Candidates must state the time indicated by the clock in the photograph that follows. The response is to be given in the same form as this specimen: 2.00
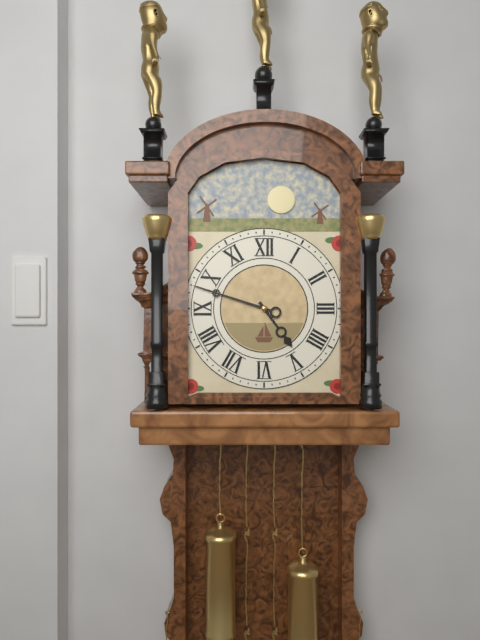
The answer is 4.48
